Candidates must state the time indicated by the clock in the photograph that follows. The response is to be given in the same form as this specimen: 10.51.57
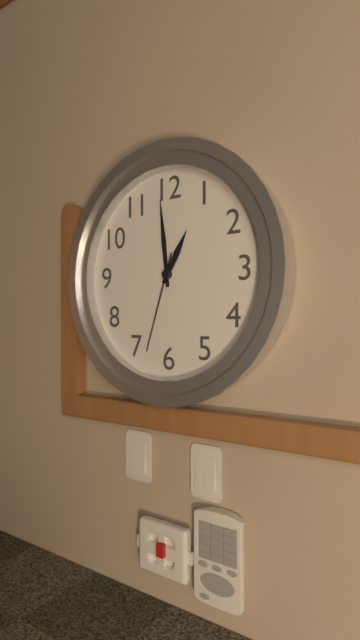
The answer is 12.59.33
